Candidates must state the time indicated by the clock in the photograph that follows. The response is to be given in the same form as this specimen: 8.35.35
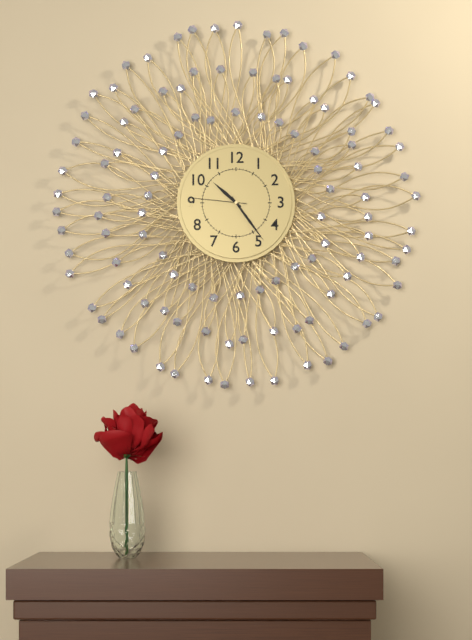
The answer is 10.24.46
